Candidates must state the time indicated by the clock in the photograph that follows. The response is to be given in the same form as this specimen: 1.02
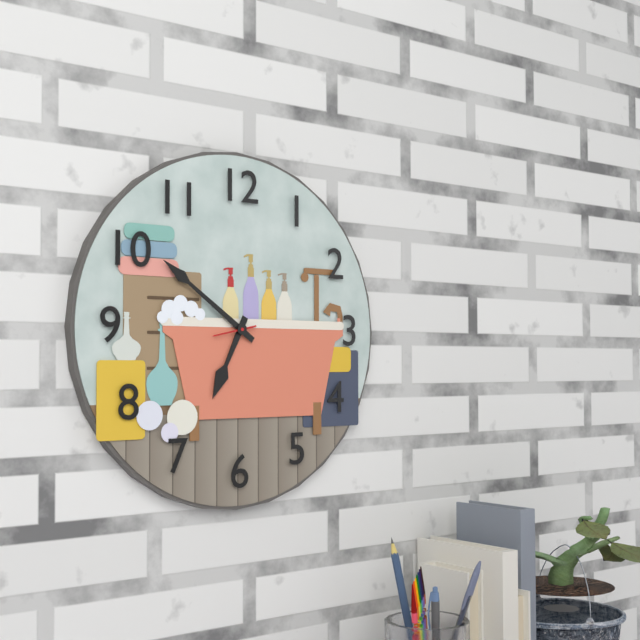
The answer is 6.51
